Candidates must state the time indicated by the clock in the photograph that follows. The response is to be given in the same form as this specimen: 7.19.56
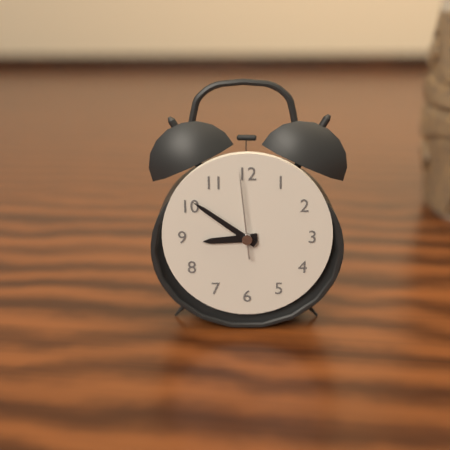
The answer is 8.51.59
